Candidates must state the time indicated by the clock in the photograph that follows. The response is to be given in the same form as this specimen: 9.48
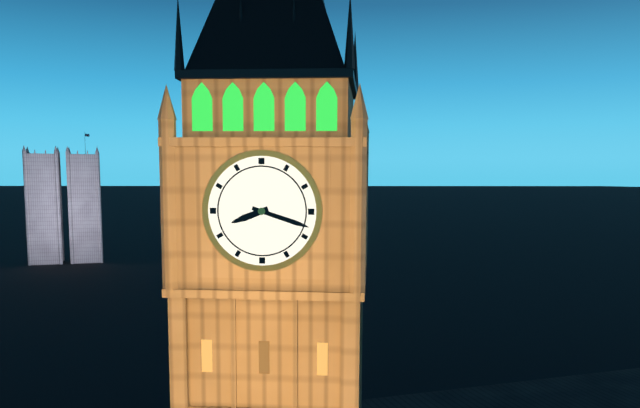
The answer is 8.18
